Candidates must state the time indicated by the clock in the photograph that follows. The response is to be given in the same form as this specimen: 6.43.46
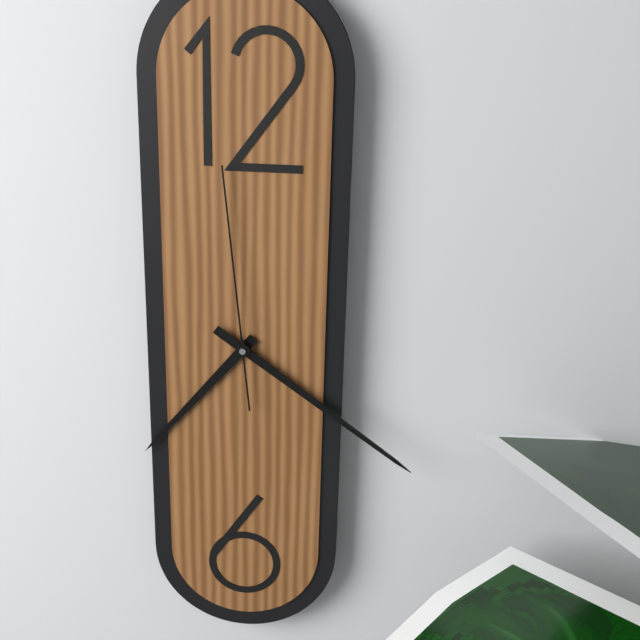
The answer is 7.21.59
